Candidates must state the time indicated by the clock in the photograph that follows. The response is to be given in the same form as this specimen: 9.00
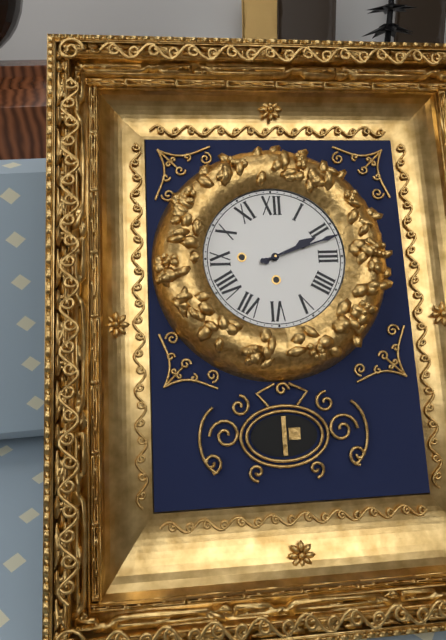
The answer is 2.12
